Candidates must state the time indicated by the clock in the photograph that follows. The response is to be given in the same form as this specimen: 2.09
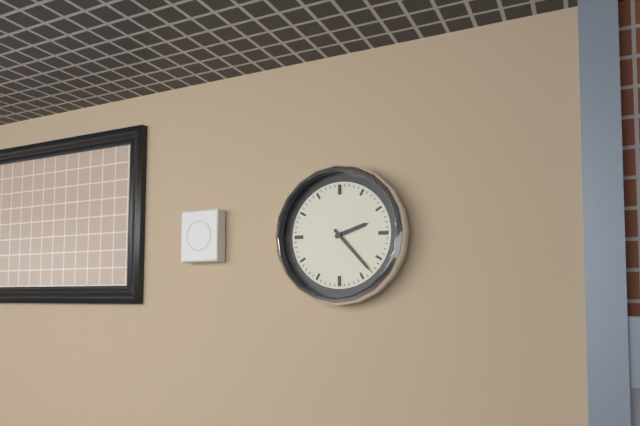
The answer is 2.23
